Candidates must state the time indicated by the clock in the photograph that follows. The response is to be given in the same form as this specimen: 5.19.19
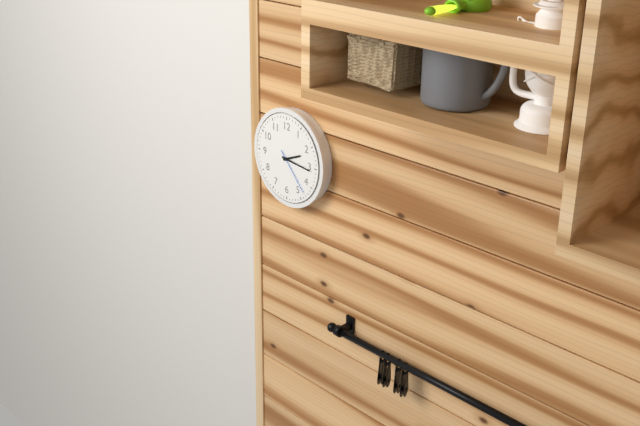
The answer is 2.16.23
